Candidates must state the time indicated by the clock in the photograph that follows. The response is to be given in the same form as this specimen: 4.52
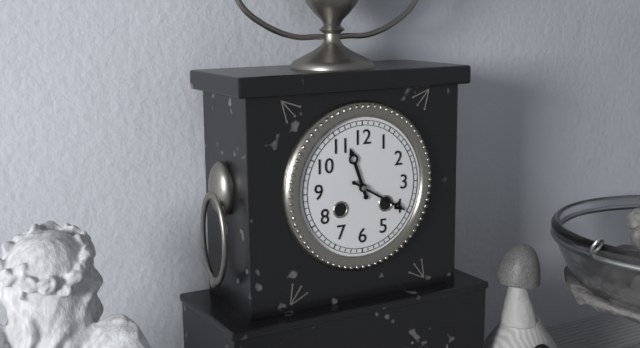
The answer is 11.20
